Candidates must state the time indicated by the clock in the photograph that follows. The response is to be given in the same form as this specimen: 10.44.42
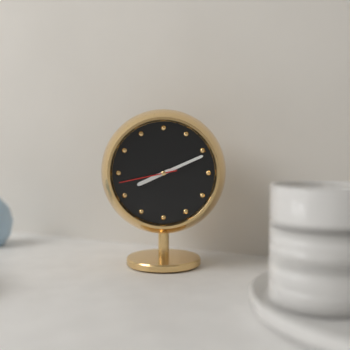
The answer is 8.11.43
